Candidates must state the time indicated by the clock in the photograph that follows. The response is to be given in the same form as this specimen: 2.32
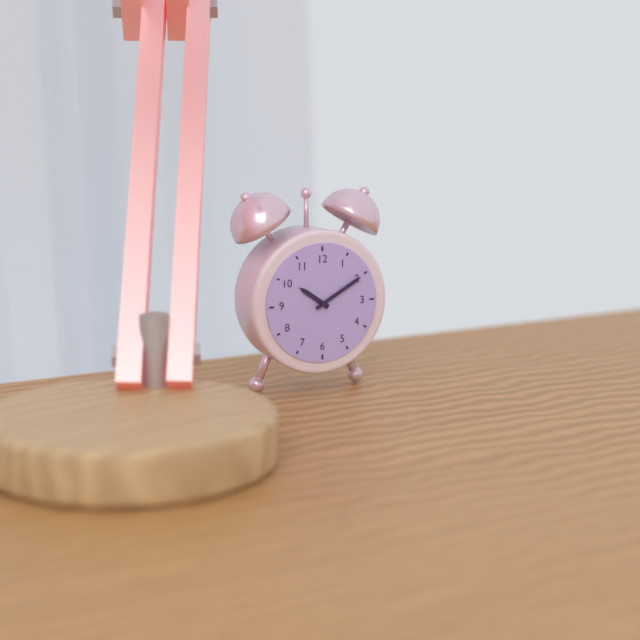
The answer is 10.10
